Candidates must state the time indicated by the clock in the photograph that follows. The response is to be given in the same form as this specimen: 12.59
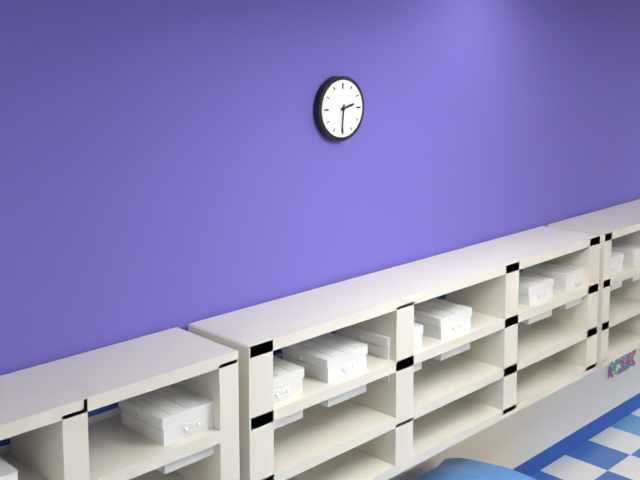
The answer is 2.31
